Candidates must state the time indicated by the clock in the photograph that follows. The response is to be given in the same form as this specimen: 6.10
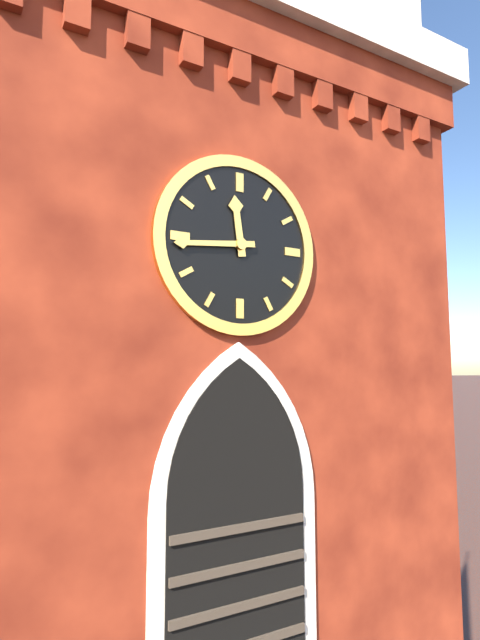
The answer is 11.44
